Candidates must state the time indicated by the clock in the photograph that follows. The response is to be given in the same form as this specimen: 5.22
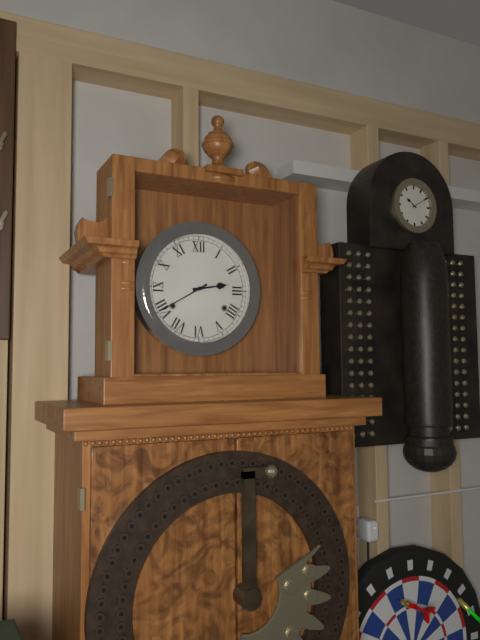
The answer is 2.40
